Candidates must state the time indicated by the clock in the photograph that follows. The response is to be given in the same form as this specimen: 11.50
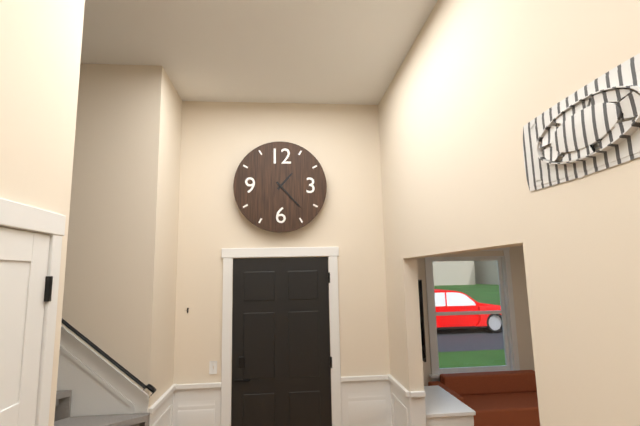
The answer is 1.23
